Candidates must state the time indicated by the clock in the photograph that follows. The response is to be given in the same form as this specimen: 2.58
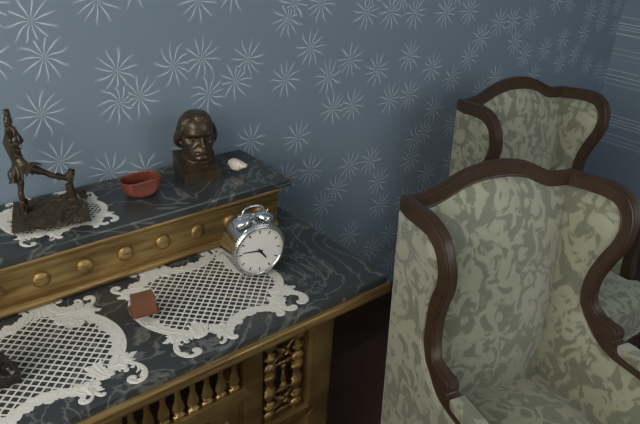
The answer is 4.46
